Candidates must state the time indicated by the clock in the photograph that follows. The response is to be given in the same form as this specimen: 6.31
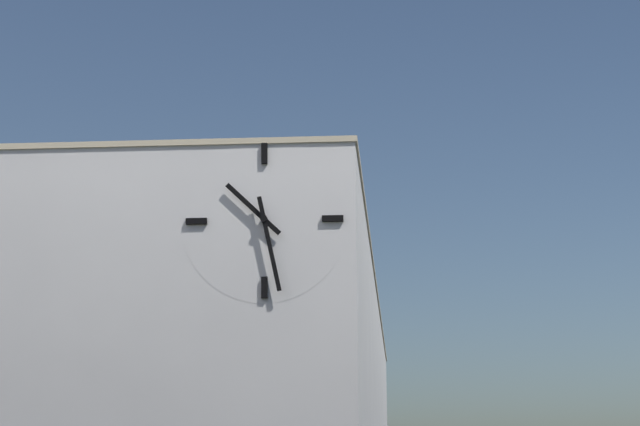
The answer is 10.28
